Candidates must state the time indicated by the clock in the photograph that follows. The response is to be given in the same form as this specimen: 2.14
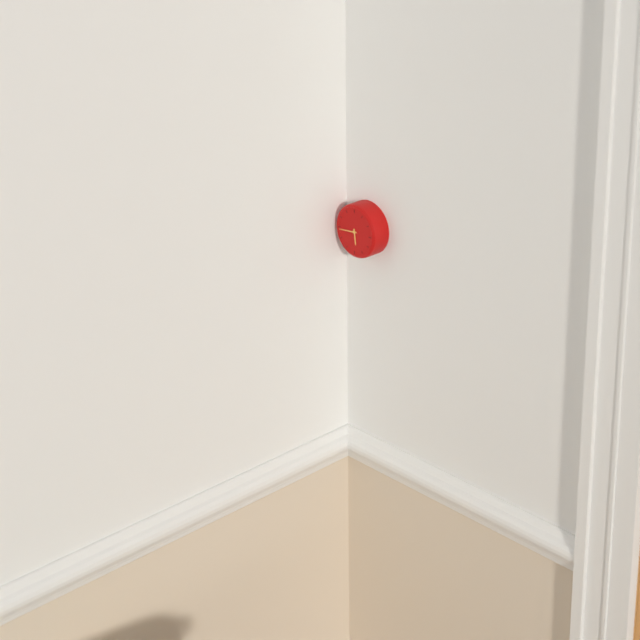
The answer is 5.44
